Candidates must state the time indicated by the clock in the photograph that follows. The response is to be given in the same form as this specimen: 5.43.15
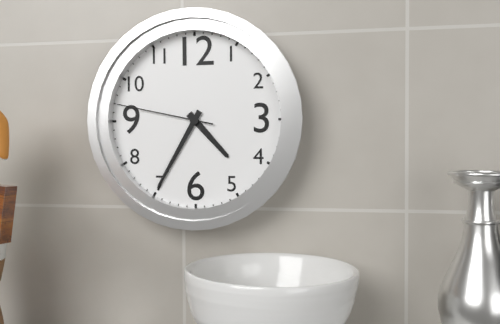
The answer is 4.35.47
